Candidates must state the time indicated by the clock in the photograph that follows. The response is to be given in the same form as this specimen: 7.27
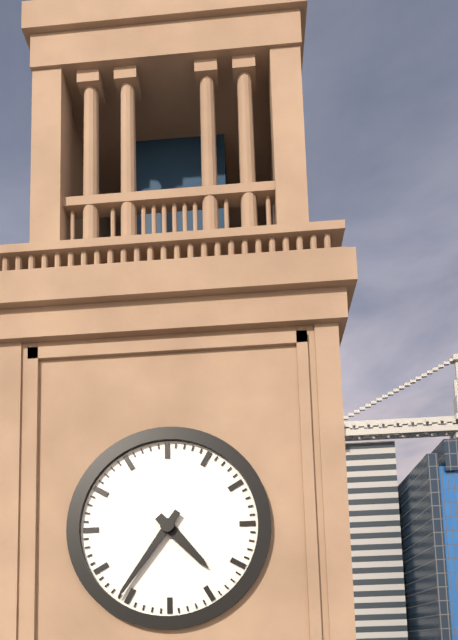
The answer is 4.36
